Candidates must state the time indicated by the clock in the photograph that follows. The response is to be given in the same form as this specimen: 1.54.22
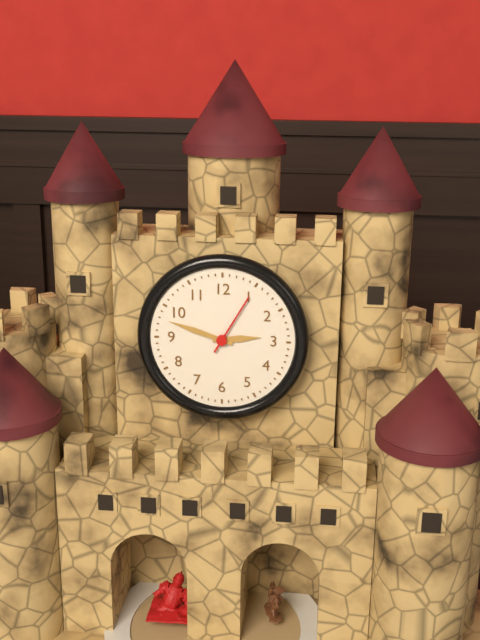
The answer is 2.48.05
